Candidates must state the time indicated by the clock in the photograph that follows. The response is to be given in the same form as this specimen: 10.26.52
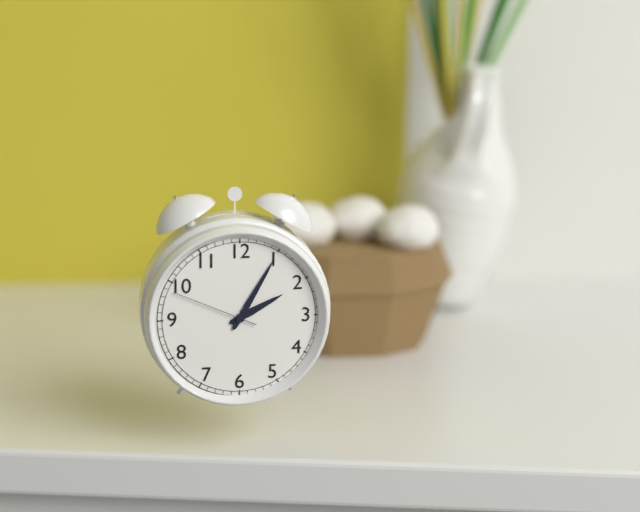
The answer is 2.05.49
